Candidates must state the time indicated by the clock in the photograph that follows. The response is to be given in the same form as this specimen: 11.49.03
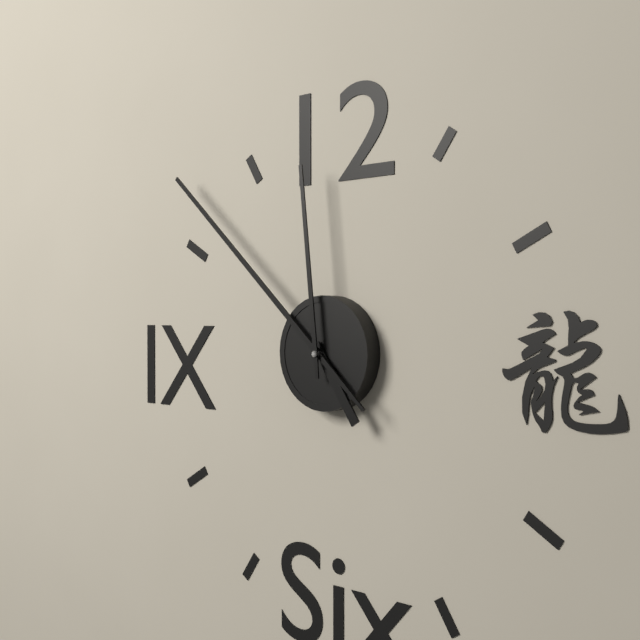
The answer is 4.52.59
